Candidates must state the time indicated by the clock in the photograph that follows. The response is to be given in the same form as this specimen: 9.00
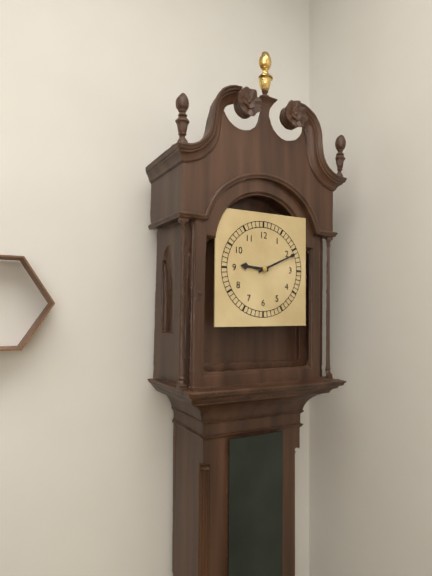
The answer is 9.11
